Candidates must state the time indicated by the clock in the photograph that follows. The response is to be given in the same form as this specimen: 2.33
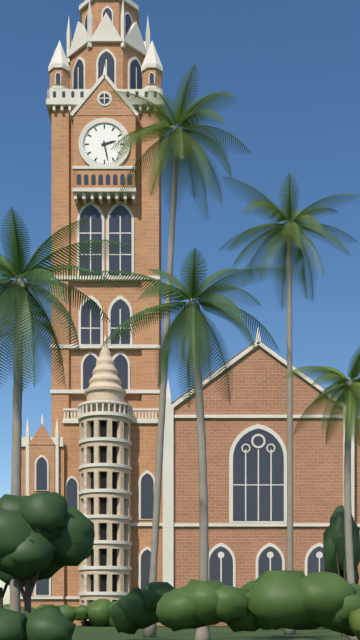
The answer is 2.28
